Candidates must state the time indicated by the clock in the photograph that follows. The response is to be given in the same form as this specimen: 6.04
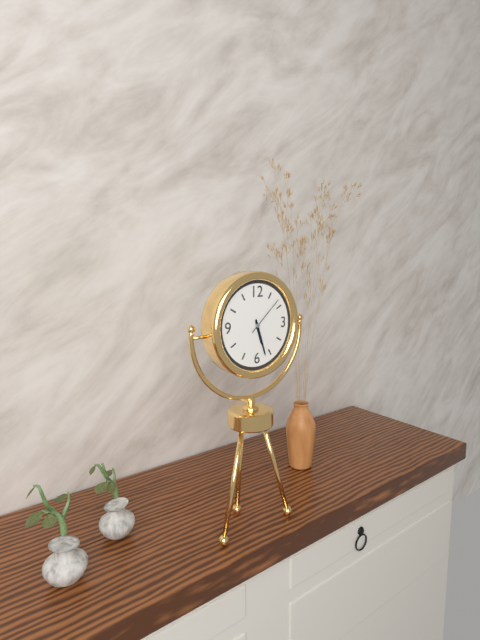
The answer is 5.27
